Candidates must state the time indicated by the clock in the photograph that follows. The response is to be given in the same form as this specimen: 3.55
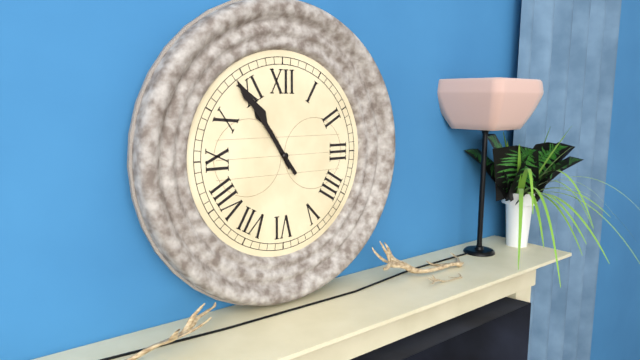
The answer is 10.54
